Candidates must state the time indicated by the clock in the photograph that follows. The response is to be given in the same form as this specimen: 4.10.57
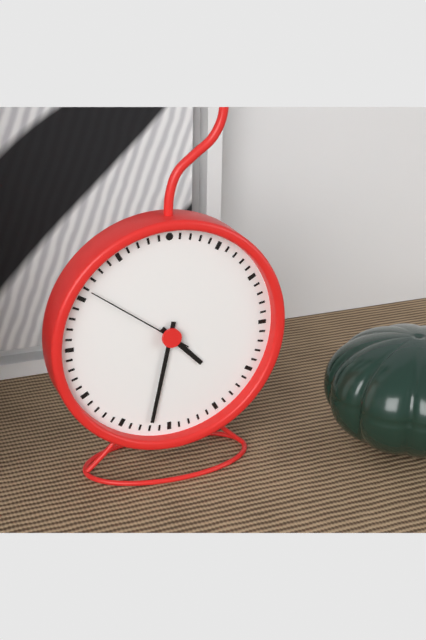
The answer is 4.32.51
